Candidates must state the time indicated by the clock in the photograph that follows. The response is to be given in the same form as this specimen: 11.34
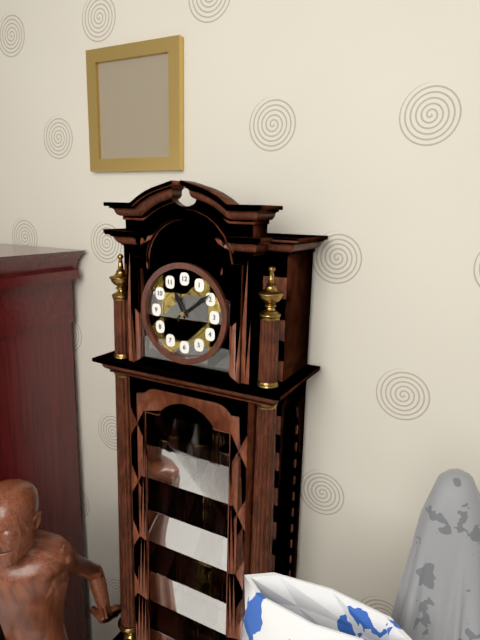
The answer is 11.09
